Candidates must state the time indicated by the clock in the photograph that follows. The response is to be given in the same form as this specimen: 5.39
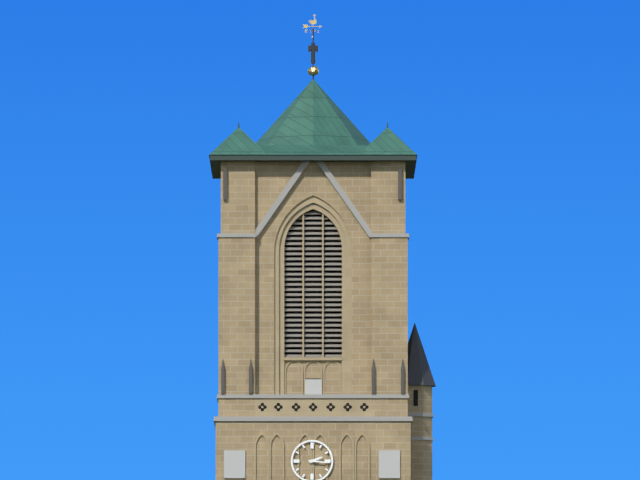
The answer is 2.16
